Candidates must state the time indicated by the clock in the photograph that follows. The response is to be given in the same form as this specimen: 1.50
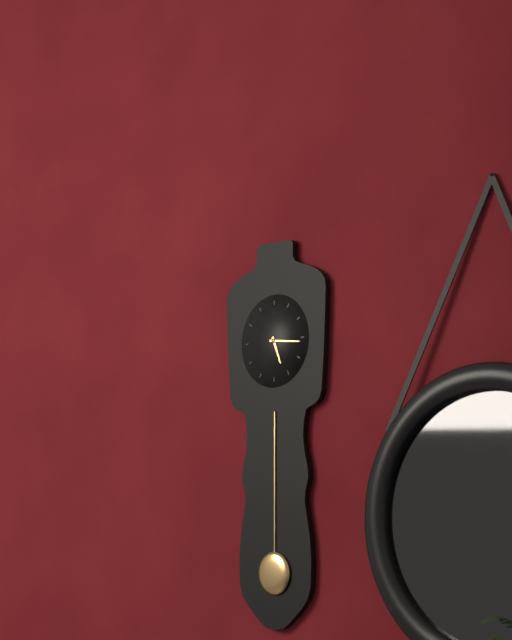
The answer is 5.16
